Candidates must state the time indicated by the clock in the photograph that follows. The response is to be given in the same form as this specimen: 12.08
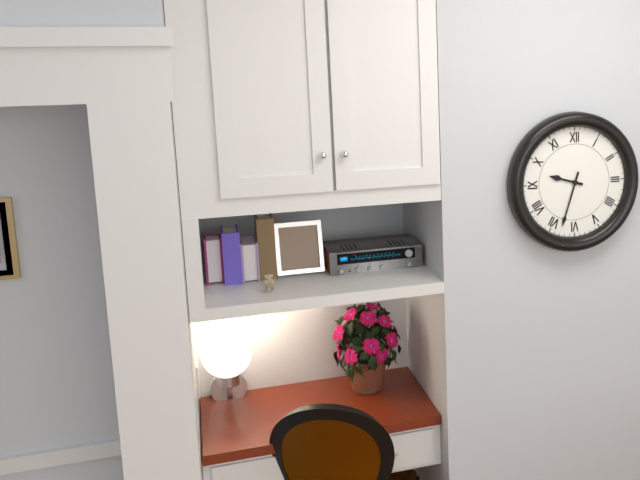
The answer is 9.33
